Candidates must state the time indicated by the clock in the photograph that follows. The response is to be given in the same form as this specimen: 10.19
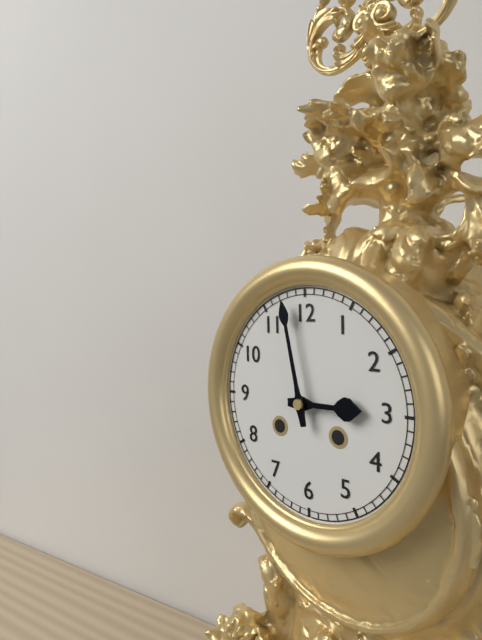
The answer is 2.58
